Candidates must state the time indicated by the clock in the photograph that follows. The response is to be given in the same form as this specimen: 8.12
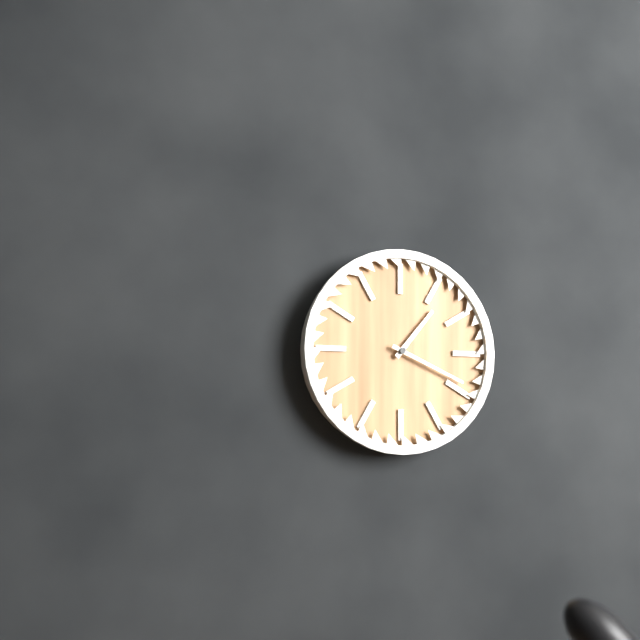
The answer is 1.19
